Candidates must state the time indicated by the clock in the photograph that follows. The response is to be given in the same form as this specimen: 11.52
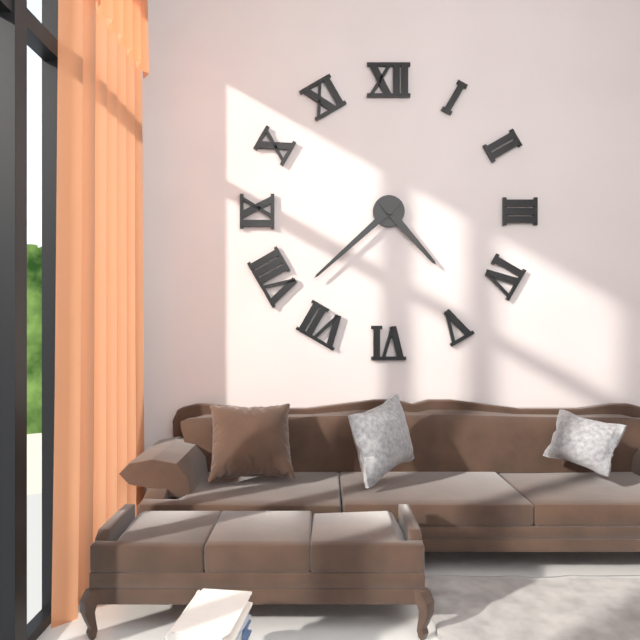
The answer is 4.38
